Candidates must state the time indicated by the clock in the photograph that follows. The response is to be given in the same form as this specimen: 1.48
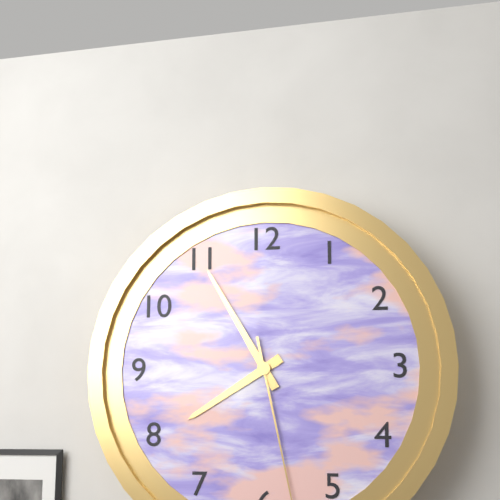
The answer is 7.55
